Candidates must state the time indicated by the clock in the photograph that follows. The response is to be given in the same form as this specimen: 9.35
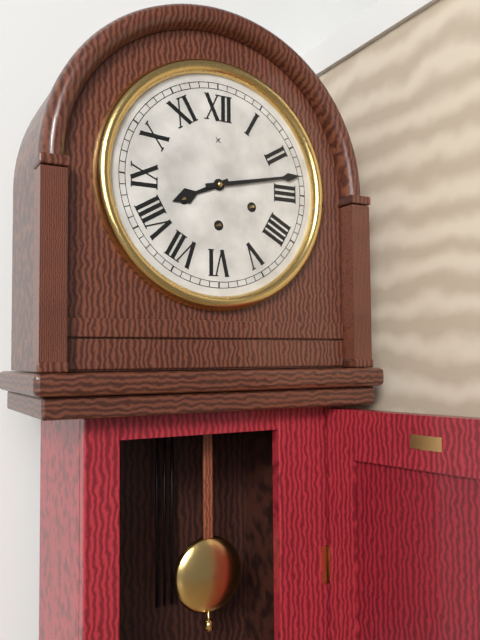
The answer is 8.13
